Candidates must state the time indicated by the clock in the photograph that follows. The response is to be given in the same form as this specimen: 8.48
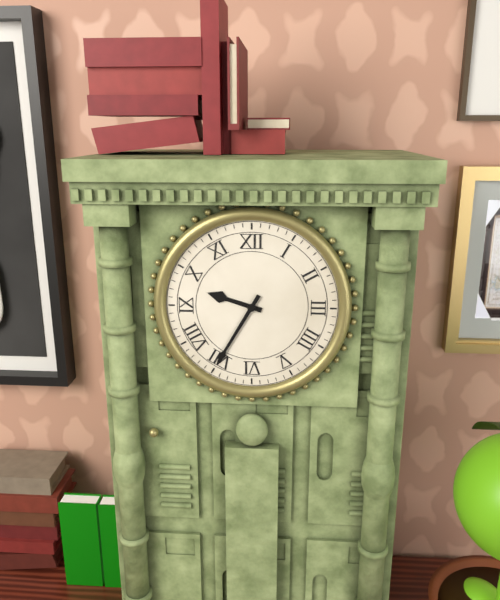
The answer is 9.35
